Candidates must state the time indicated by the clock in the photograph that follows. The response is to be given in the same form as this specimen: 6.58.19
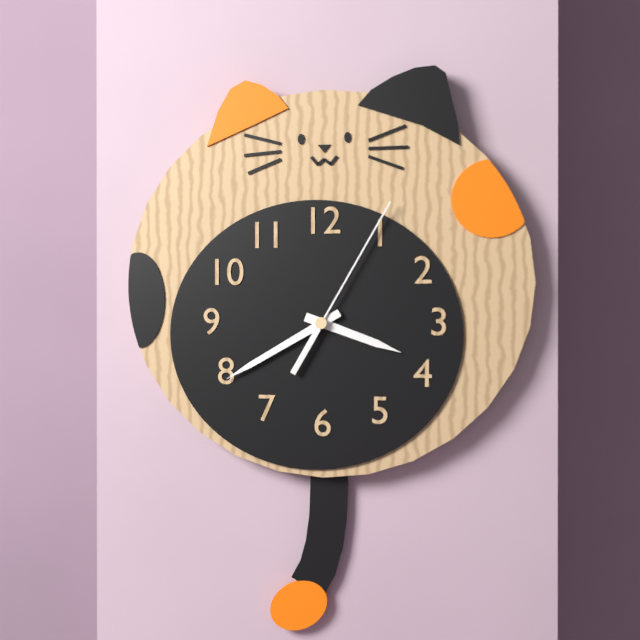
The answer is 3.40.05
